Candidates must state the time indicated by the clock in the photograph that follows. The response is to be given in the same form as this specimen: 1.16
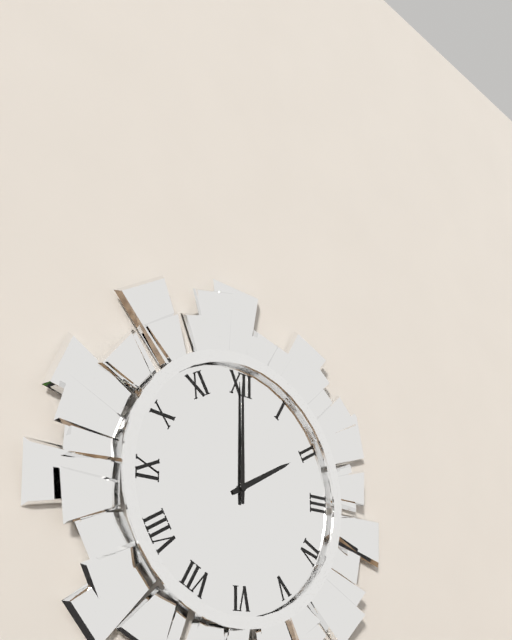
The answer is 2.00
